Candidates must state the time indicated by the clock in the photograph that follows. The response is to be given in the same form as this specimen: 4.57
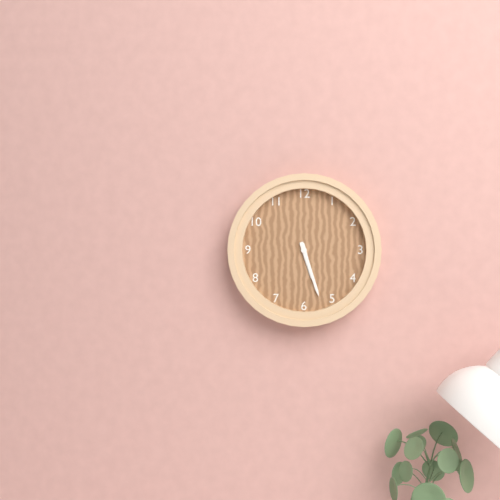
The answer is 5.27
